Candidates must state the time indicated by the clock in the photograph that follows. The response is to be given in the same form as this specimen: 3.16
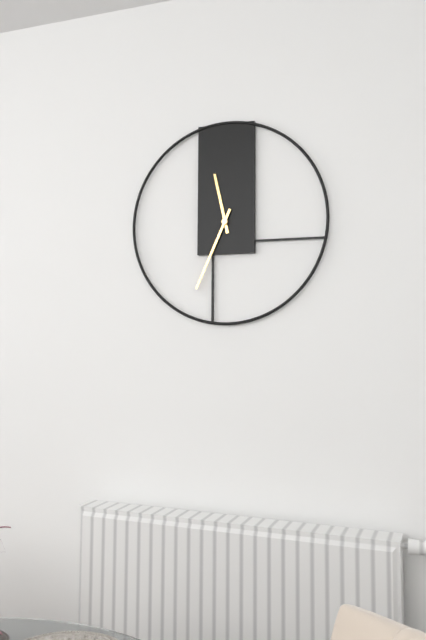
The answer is 11.34
